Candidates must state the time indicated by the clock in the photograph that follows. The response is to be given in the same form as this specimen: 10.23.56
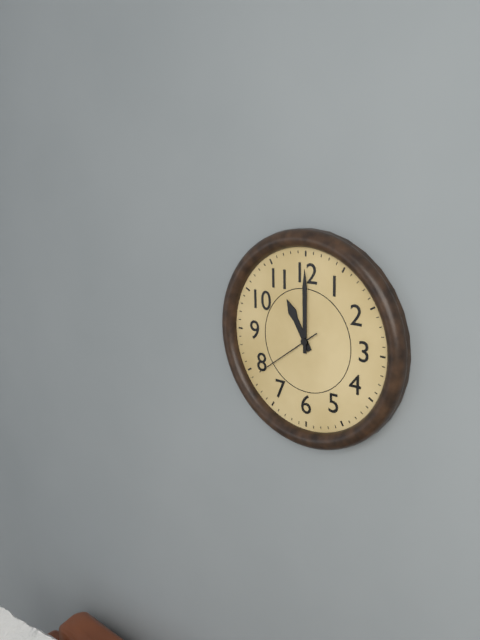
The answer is 11.00.39
